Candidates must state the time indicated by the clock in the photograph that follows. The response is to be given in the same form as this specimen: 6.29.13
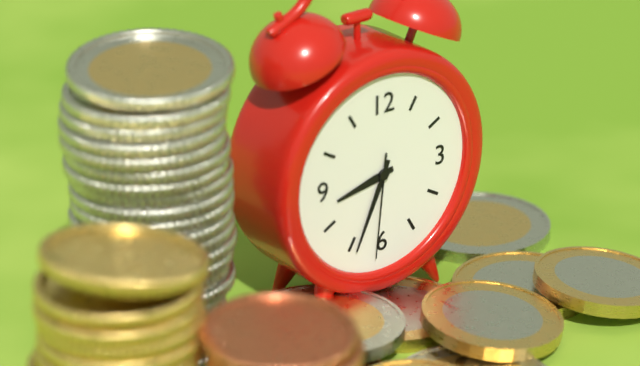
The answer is 8.34.31
